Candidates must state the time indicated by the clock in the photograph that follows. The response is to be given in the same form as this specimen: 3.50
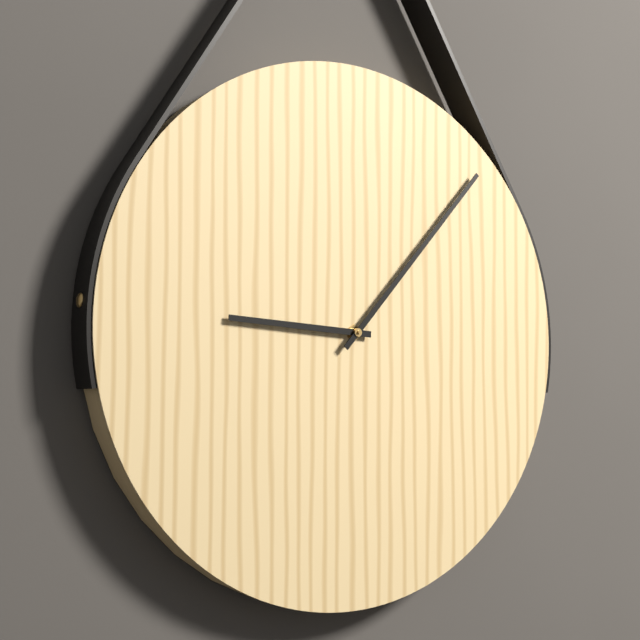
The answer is 9.07
